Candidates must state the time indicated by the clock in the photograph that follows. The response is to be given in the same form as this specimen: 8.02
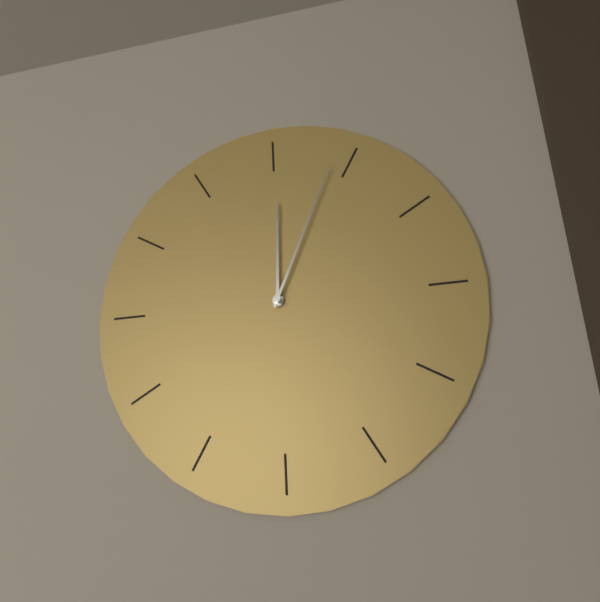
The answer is 12.04
